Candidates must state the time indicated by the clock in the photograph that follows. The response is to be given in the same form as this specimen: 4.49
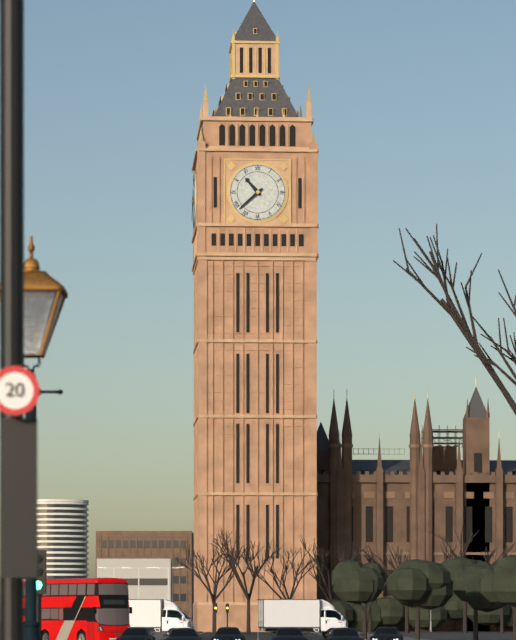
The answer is 10.38
